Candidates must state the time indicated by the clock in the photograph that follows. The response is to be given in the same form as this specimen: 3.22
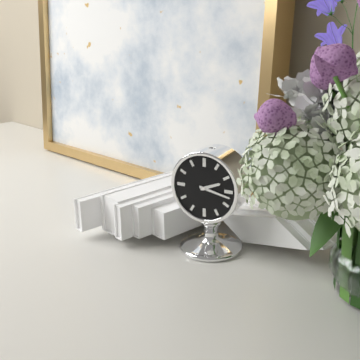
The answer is 2.17
